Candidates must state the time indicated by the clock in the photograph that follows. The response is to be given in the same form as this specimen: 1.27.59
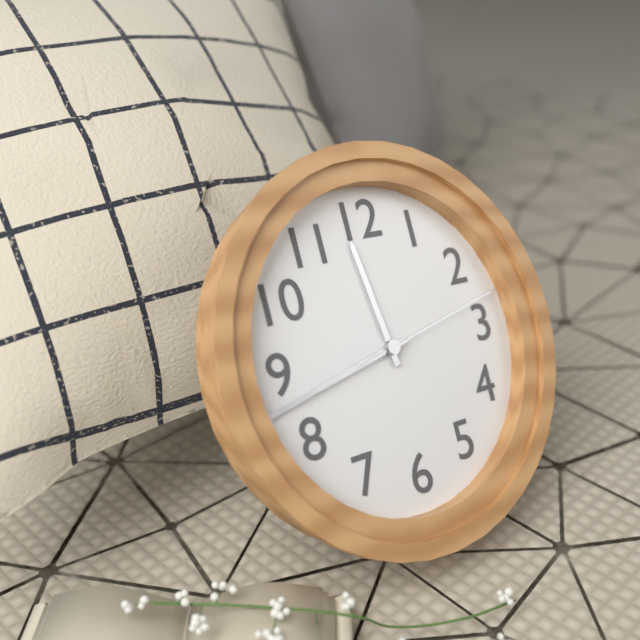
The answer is 11.43.13
